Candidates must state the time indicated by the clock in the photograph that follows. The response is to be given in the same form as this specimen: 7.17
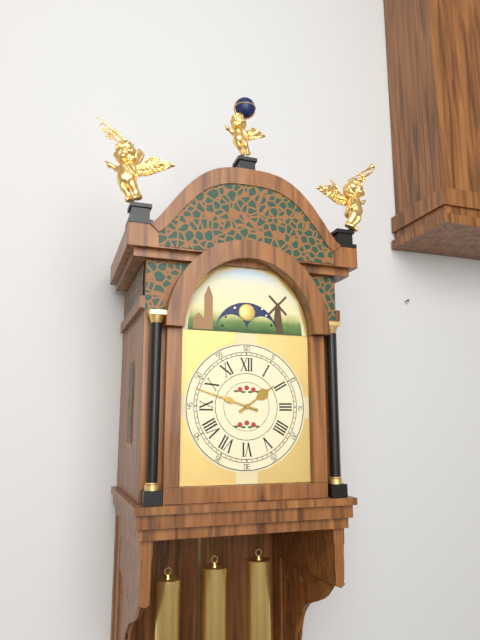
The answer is 1.48
